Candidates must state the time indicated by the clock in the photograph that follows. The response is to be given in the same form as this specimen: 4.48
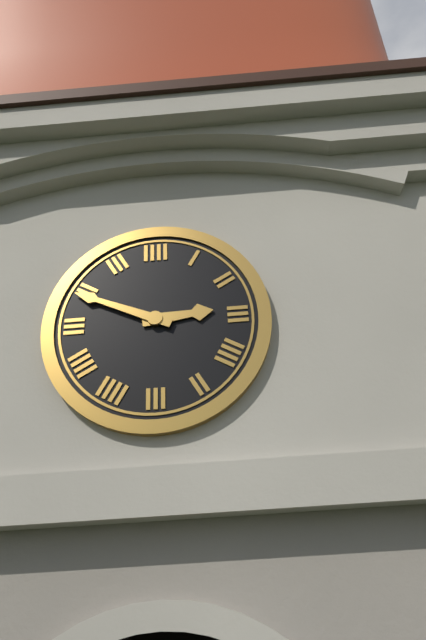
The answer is 2.49
